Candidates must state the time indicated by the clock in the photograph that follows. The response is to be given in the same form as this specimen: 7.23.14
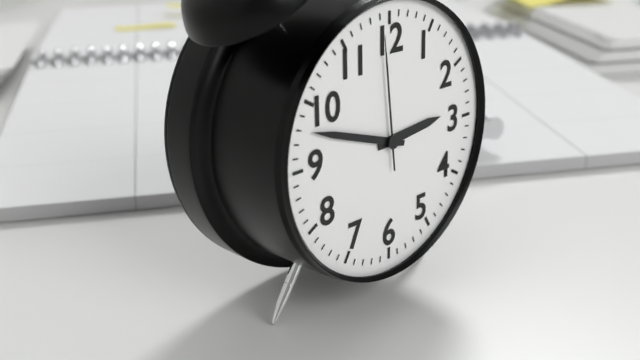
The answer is 2.48.59
